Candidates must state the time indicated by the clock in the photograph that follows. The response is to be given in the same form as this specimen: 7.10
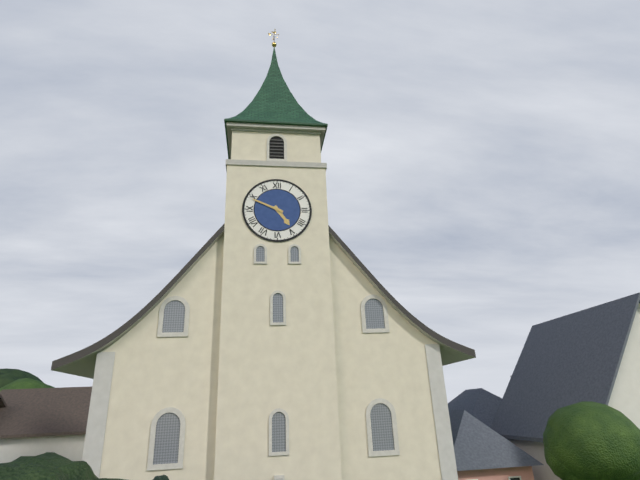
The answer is 4.49
